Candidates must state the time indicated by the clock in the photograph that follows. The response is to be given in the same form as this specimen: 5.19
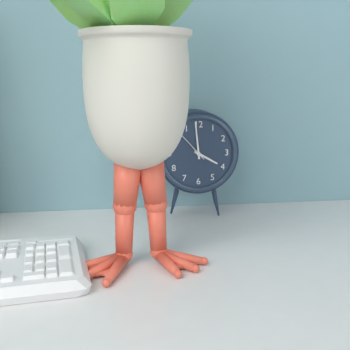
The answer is 3.59
